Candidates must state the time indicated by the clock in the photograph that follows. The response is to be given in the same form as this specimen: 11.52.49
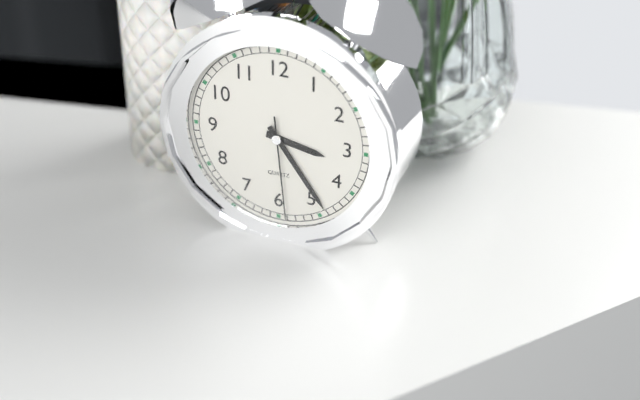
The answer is 3.24.29
